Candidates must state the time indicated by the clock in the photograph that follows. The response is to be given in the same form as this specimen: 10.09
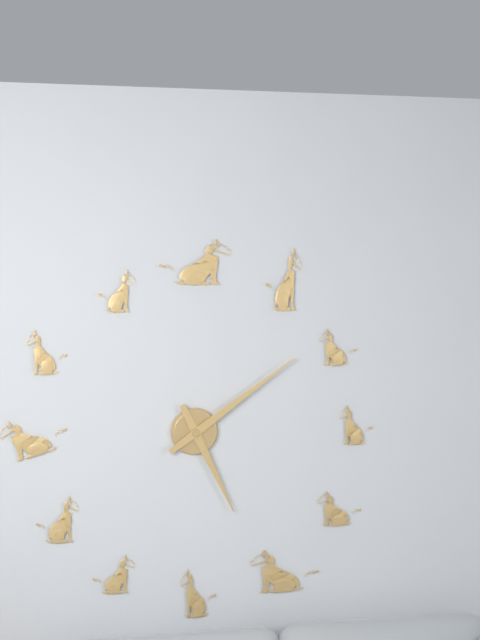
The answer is 5.09
